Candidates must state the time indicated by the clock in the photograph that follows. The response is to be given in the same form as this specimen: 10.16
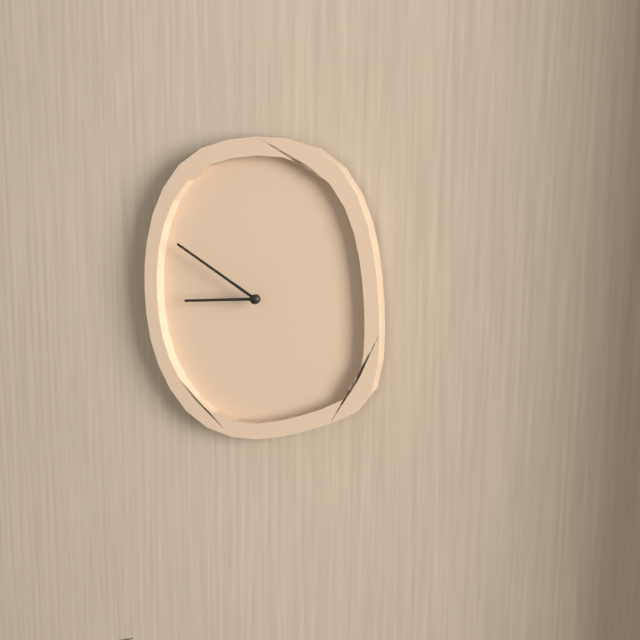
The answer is 8.50
